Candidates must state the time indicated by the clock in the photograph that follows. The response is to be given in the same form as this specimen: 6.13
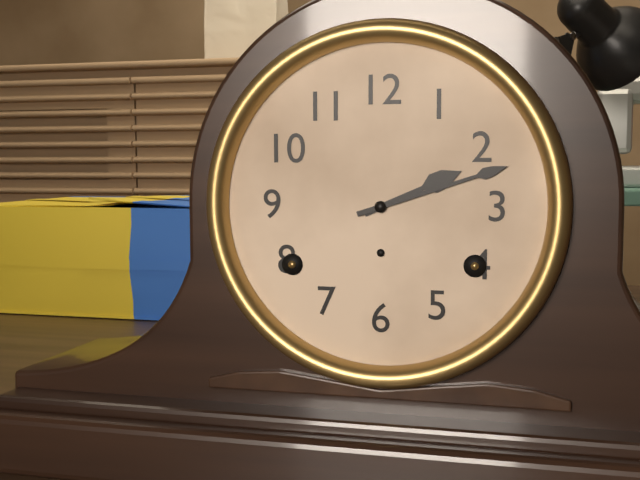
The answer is 2.12
